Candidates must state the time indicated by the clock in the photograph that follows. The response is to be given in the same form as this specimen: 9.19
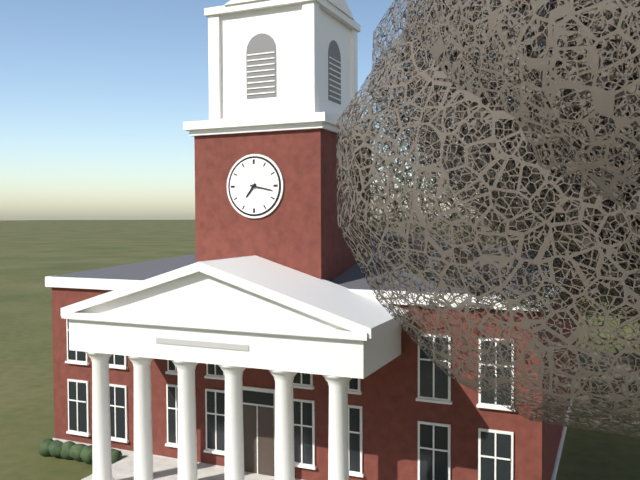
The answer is 7.17
